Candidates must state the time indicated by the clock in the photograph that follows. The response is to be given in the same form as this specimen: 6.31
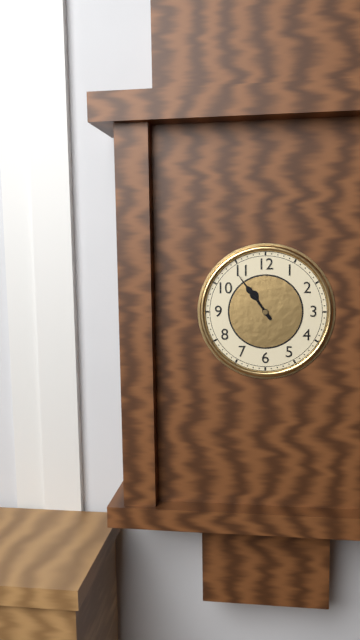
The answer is 10.54
